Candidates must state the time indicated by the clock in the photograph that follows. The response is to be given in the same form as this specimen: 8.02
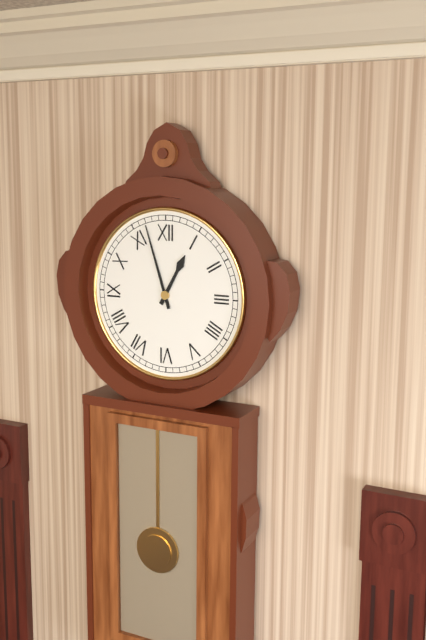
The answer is 12.57
